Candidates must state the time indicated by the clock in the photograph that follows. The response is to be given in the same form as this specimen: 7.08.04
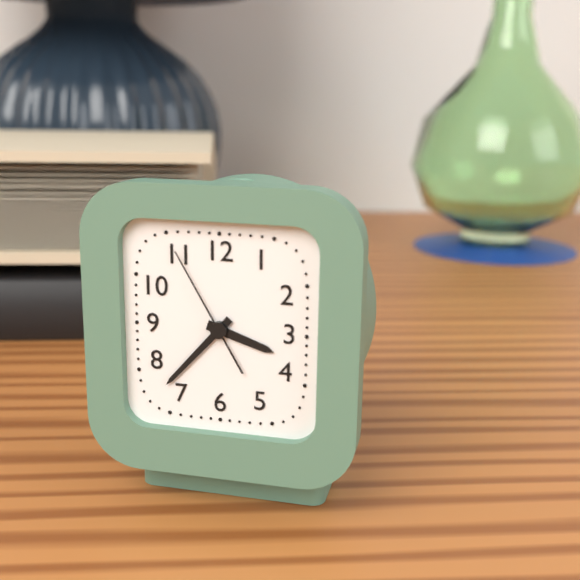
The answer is 3.37.55
